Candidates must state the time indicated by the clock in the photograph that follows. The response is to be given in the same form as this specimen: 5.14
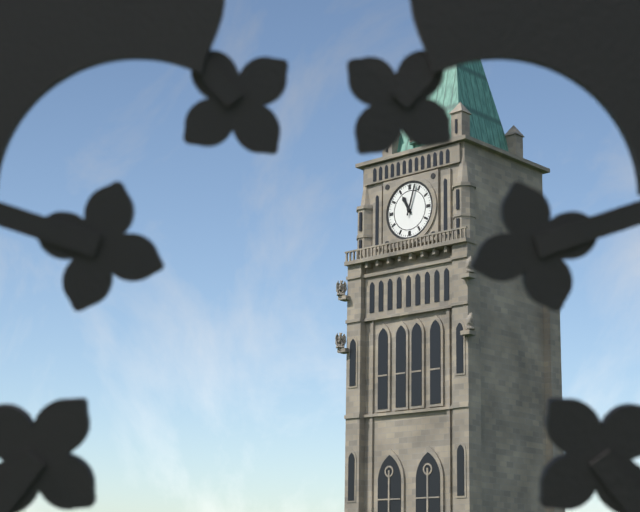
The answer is 11.03
